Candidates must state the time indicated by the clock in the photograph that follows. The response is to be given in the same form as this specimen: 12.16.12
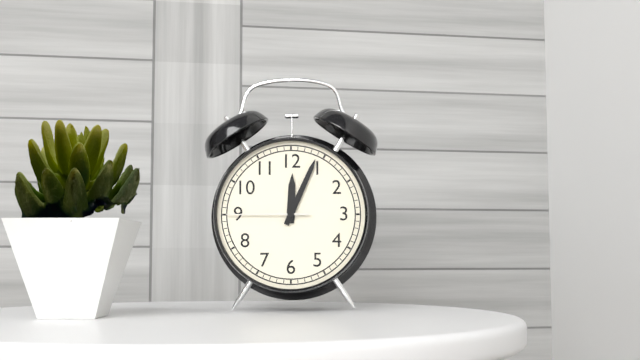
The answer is 12.04.45
